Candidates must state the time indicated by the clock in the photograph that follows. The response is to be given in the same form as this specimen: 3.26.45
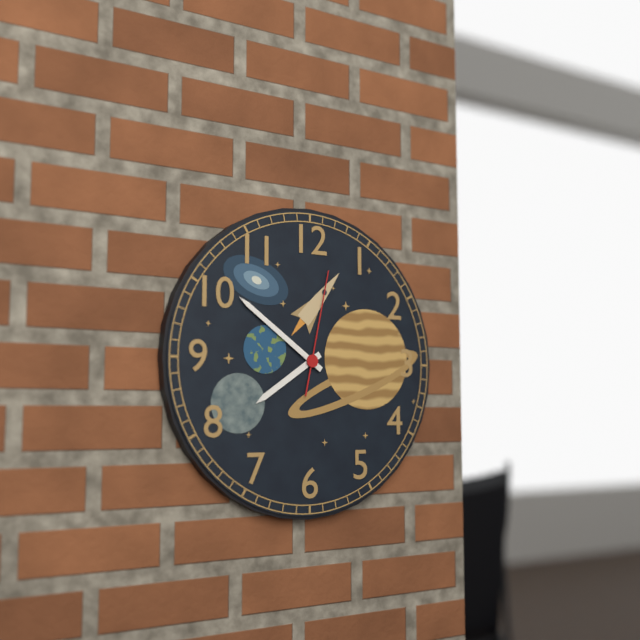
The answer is 7.51.02
